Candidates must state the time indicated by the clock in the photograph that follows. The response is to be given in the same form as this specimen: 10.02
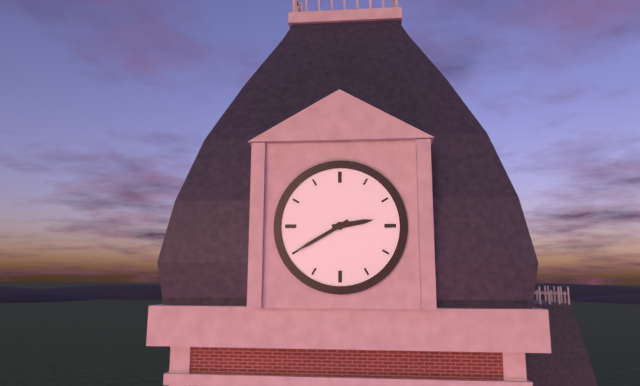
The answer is 2.40
